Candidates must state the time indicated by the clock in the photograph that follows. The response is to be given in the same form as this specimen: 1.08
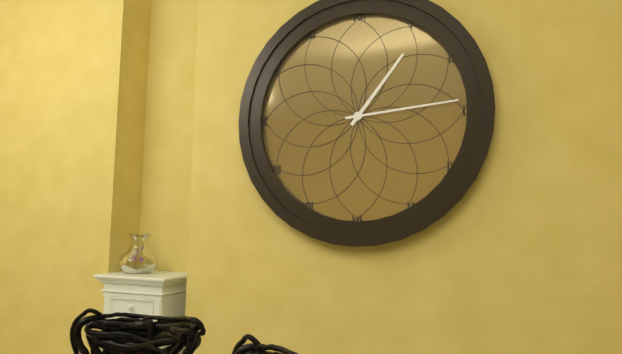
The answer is 1.14
